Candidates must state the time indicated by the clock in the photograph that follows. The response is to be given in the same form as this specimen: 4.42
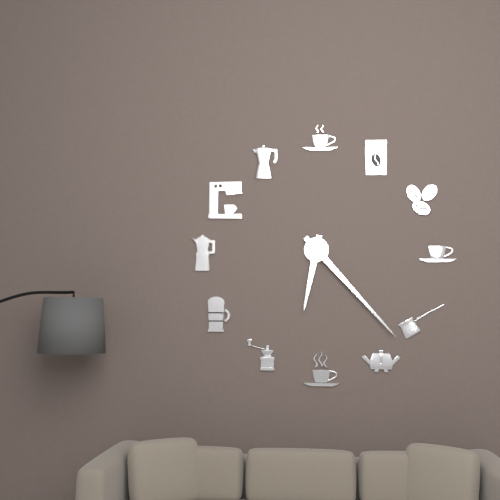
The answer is 6.23
